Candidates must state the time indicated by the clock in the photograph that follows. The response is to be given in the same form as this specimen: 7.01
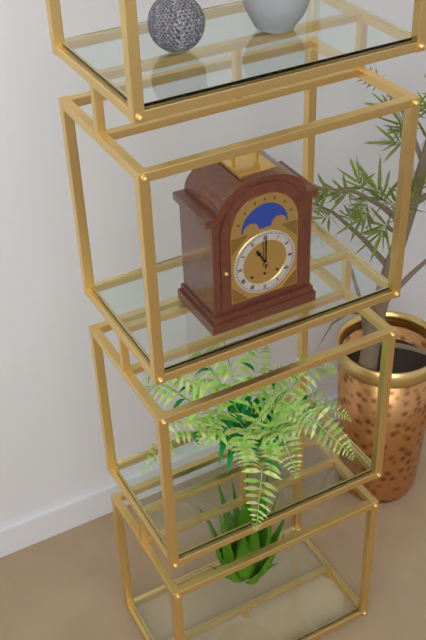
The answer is 11.00
